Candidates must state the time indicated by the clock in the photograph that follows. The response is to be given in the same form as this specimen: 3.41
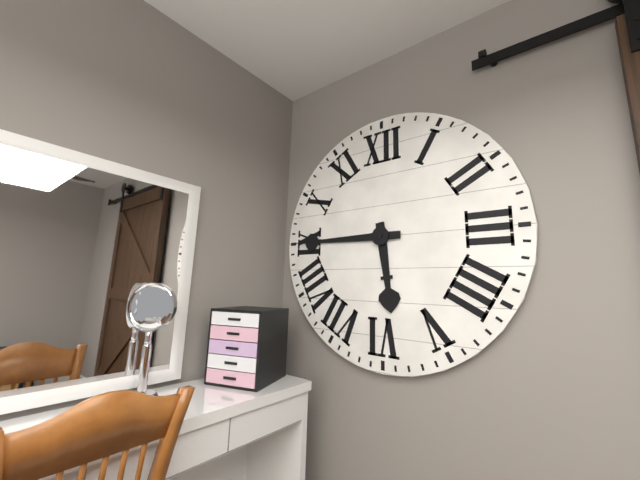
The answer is 5.45
